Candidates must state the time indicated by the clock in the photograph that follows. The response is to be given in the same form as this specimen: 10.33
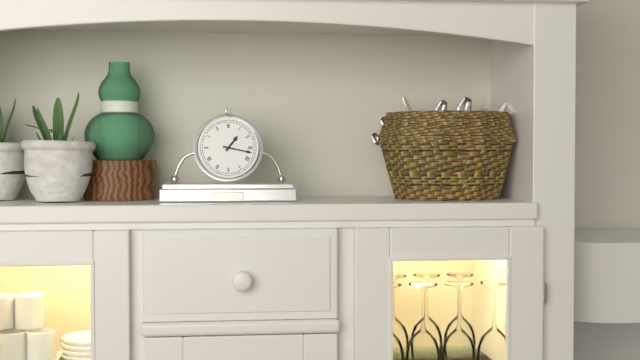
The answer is 1.17
